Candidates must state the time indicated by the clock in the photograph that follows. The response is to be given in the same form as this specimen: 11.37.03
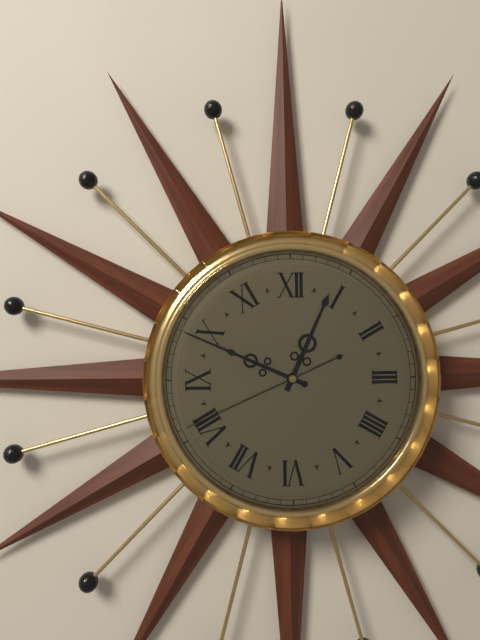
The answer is 12.49.41
